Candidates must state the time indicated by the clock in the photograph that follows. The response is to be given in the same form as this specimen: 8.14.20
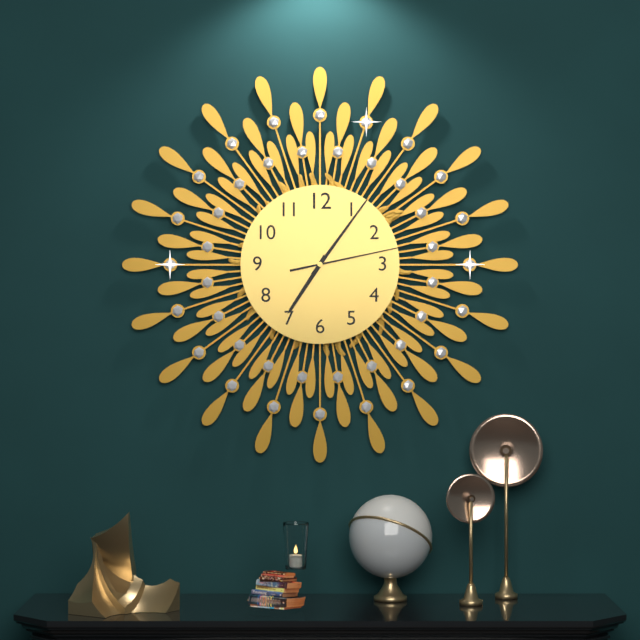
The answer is 7.06.13
